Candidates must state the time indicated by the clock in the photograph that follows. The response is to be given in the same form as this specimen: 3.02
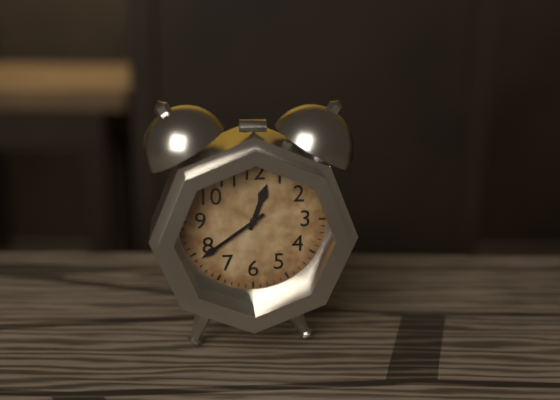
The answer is 12.39
